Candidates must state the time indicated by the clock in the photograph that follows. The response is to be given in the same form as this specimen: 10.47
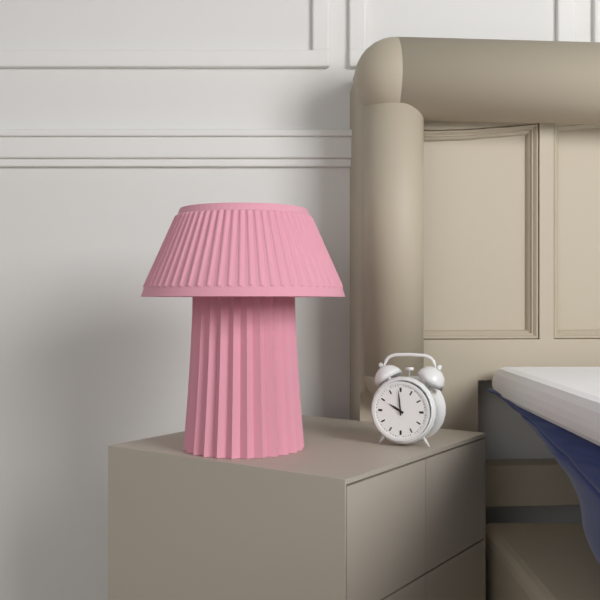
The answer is 9.59
